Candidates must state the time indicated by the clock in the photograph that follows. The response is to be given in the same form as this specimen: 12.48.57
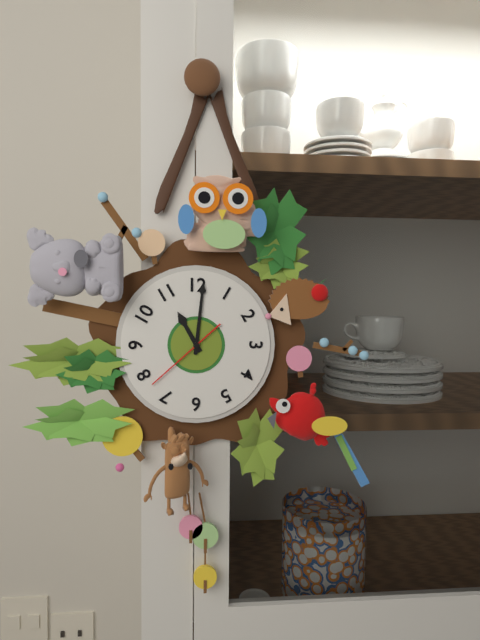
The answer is 11.01.38
